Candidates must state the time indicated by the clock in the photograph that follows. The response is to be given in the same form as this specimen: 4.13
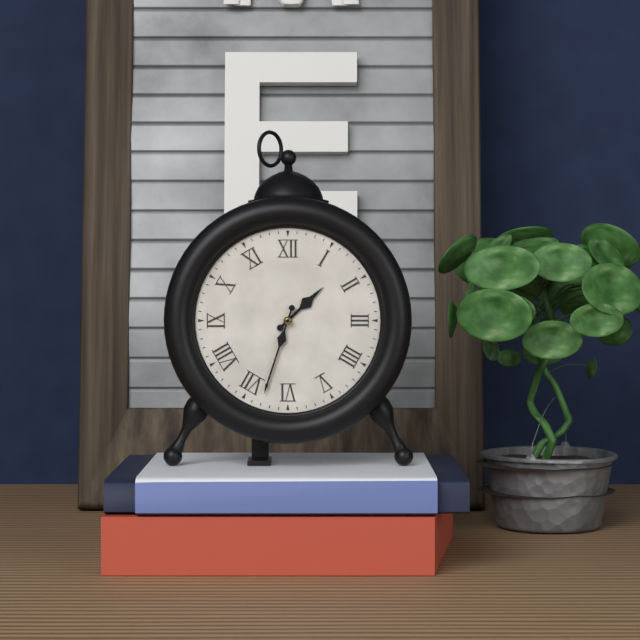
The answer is 1.33
